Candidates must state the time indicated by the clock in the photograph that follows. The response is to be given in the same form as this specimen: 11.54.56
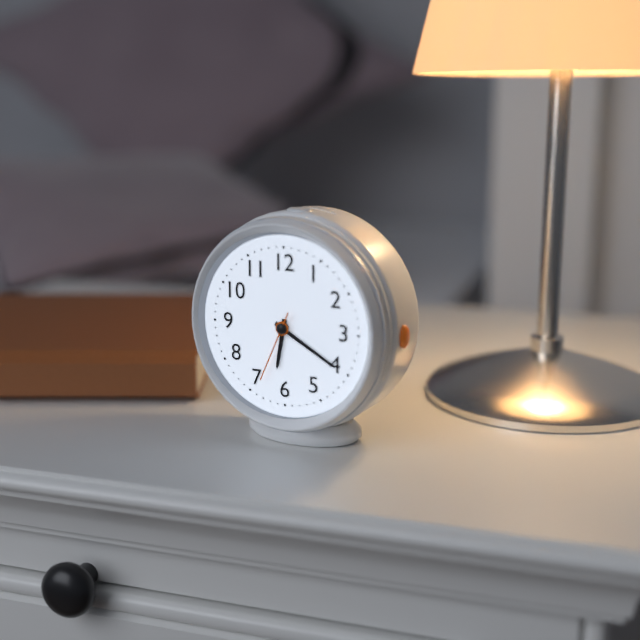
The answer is 6.20.34
